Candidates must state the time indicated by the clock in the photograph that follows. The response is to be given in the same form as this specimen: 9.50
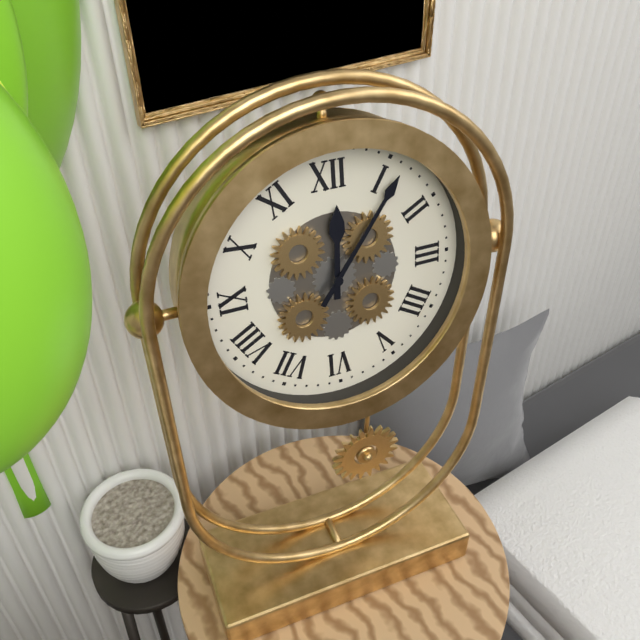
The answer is 12.06
